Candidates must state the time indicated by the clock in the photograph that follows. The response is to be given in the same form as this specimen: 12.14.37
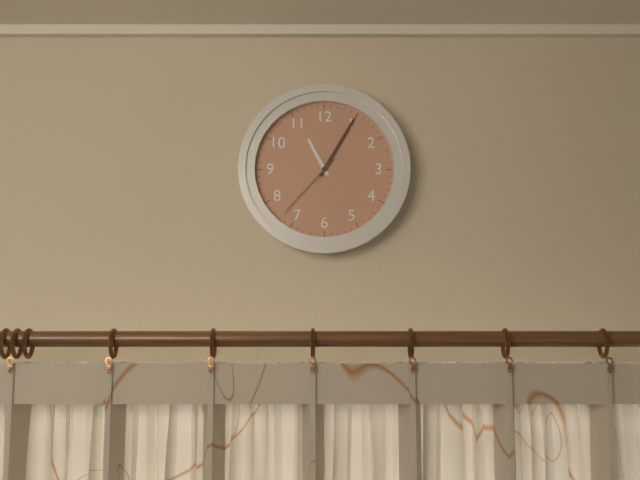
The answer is 11.05.37
